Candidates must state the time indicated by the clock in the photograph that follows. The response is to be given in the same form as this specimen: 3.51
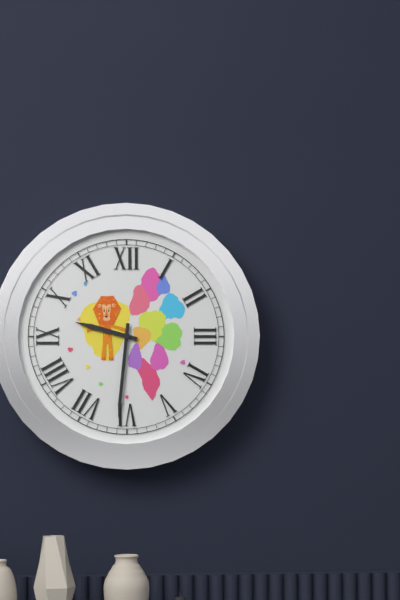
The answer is 9.31
